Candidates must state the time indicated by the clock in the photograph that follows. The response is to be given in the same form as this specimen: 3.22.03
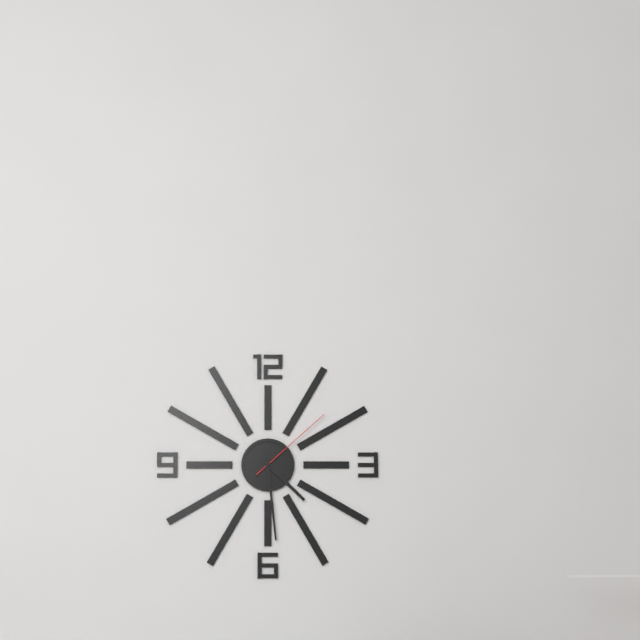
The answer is 4.29.08
